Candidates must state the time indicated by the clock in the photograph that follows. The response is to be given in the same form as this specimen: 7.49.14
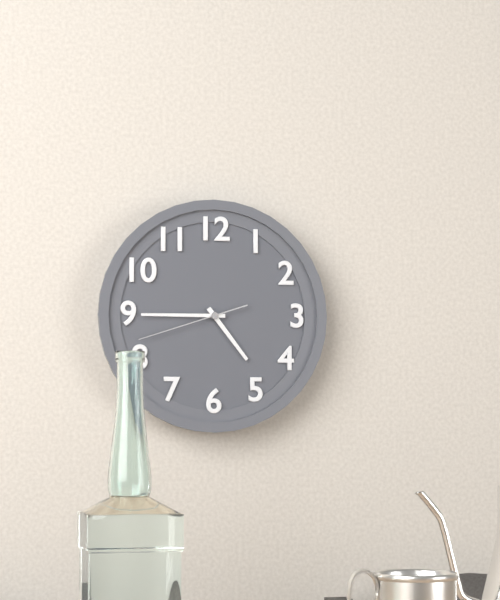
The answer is 4.45.42
